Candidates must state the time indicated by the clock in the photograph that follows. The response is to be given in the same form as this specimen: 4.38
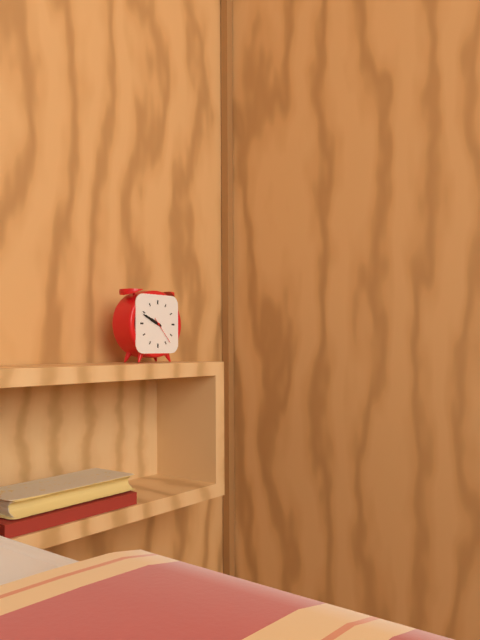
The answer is 9.49
